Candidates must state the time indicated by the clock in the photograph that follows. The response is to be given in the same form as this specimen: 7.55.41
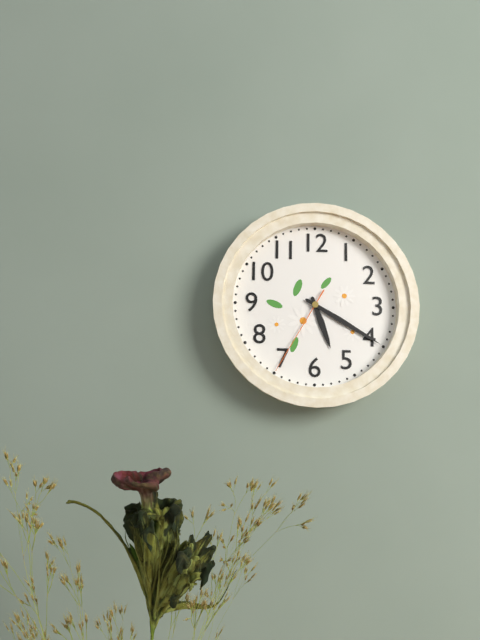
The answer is 5.20.35
